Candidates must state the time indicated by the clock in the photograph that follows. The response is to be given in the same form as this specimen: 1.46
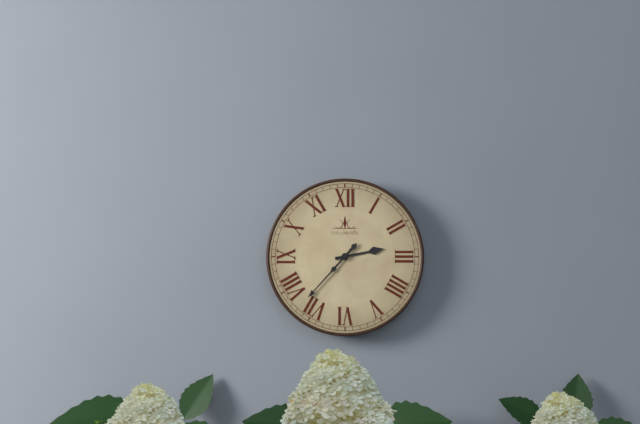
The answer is 2.37
